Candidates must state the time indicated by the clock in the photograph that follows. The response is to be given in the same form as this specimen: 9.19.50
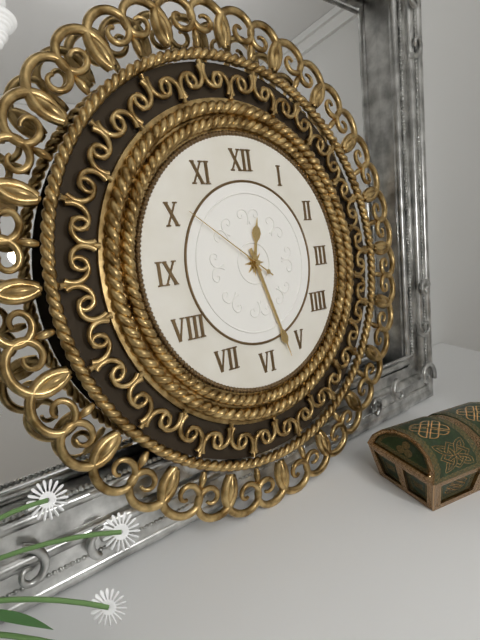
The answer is 12.27.51
